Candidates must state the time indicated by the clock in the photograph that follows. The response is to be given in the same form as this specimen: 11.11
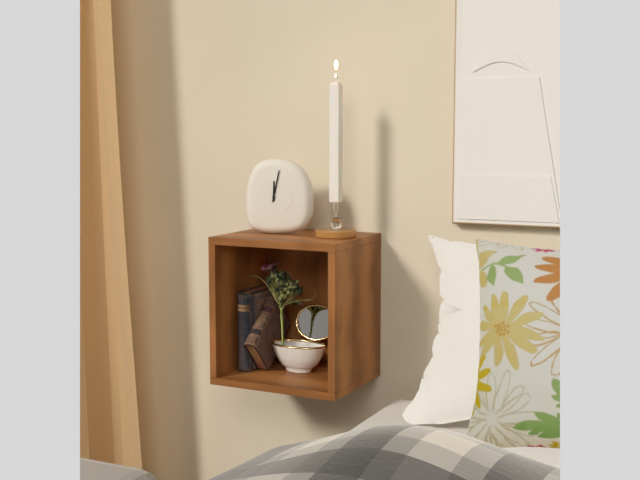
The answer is 12.02
